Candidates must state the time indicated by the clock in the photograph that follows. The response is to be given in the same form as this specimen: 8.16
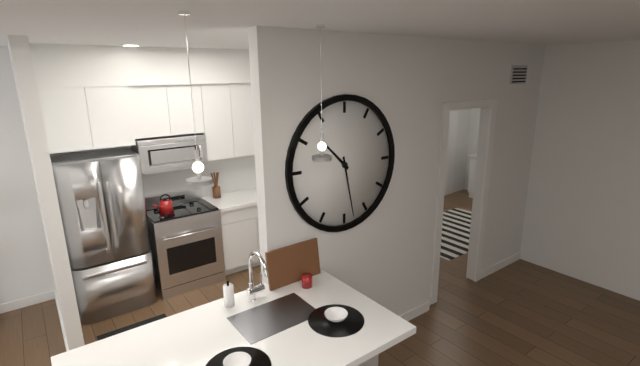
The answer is 10.28
